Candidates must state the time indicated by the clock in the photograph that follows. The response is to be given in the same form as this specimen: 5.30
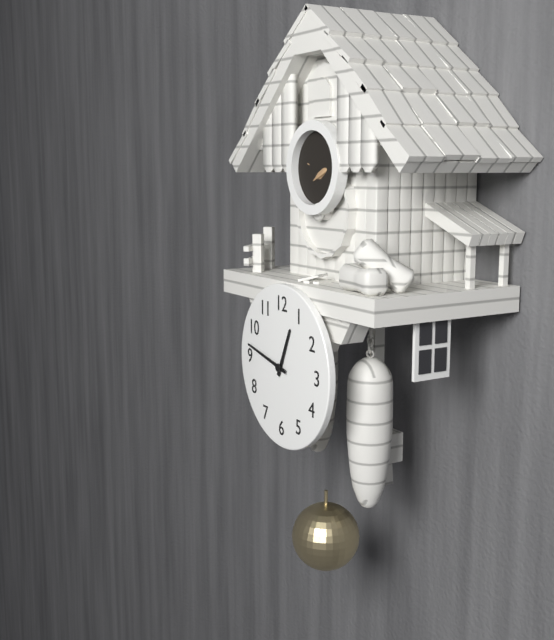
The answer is 12.47
